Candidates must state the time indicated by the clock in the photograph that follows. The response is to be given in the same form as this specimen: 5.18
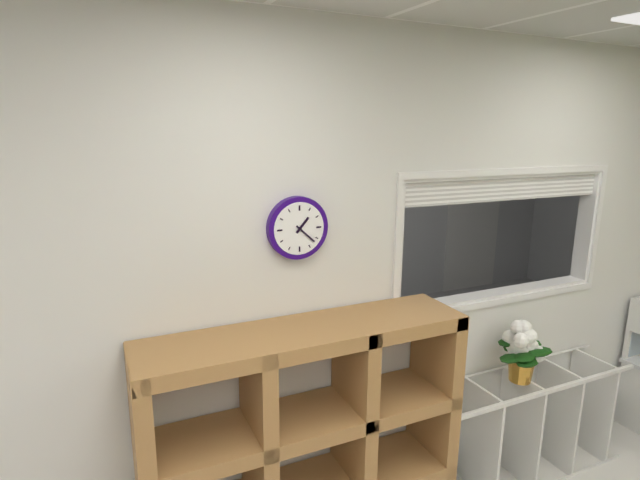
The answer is 1.22
